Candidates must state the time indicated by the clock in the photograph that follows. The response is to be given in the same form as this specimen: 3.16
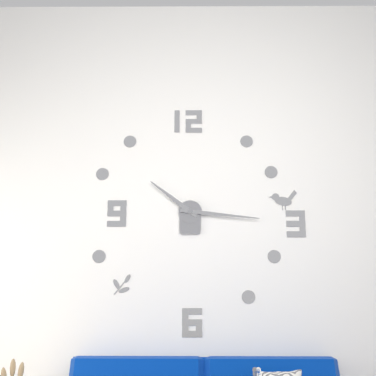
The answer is 10.16
